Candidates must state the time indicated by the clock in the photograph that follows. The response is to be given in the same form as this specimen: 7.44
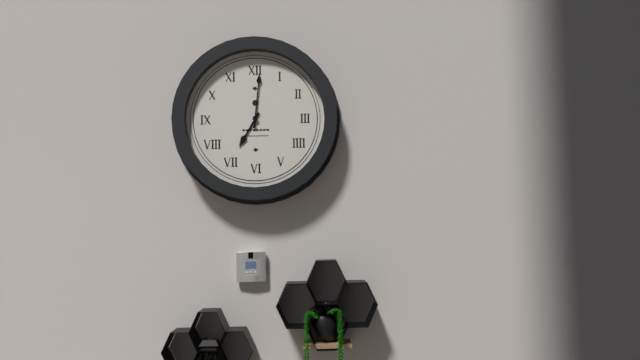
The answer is 7.01
